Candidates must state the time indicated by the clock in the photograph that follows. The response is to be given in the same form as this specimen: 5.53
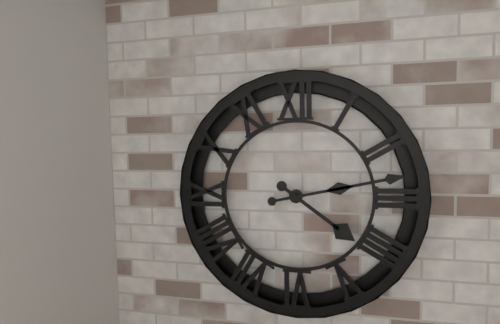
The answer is 4.13
